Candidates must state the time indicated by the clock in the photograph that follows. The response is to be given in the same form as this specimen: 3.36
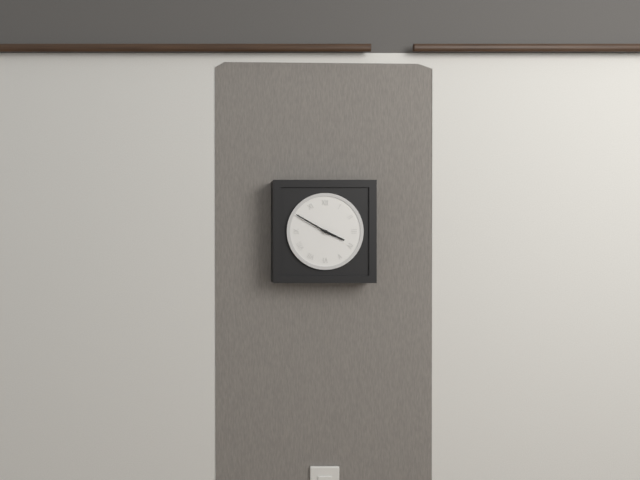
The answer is 3.50
